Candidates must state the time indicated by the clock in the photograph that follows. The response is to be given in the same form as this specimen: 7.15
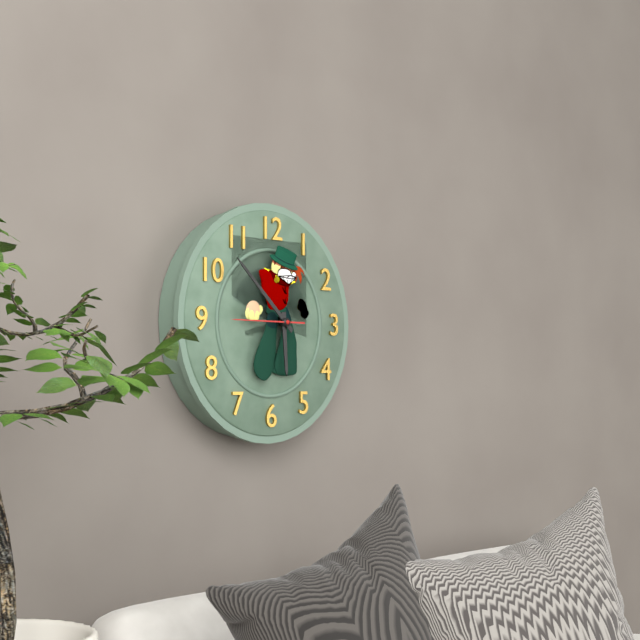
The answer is 5.52
